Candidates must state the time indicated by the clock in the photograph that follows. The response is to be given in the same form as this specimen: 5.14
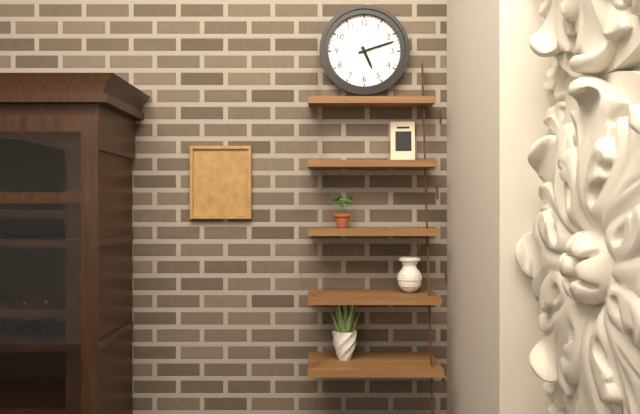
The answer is 5.12
